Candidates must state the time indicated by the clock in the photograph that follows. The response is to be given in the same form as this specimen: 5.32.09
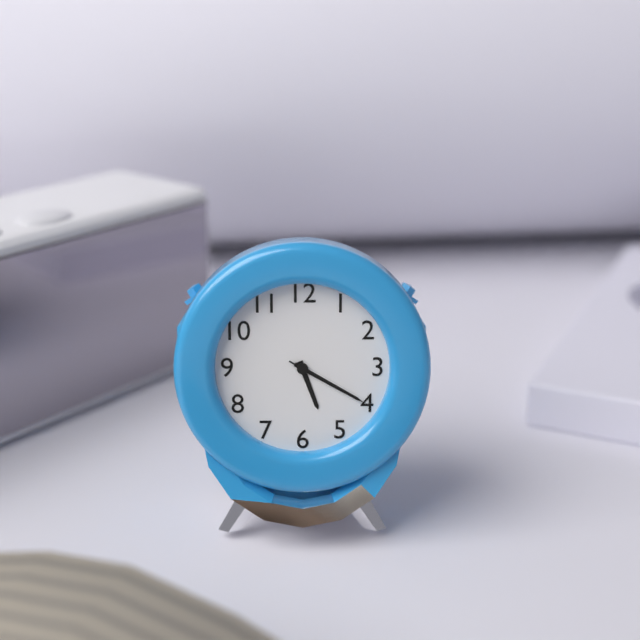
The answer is 5.20.20
